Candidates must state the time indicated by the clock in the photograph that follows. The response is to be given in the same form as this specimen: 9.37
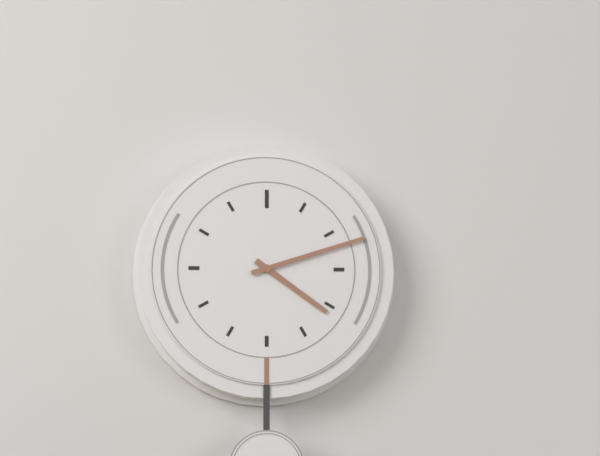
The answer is 4.12
